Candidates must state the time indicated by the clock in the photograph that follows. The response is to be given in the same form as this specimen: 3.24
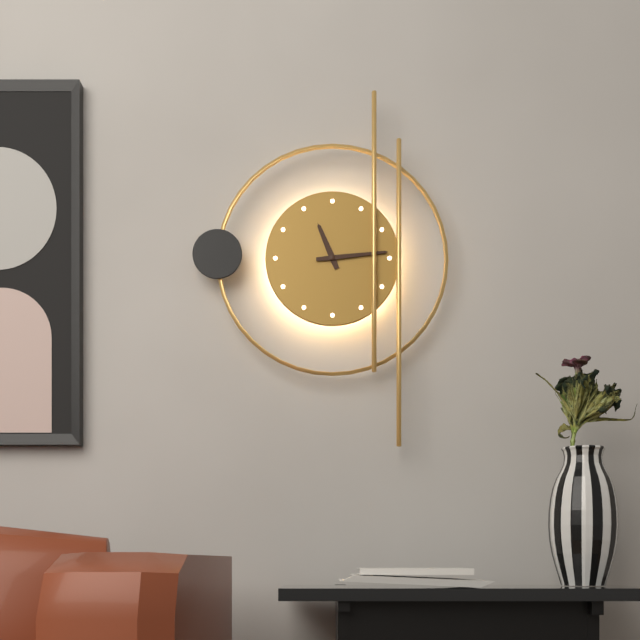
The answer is 11.14
